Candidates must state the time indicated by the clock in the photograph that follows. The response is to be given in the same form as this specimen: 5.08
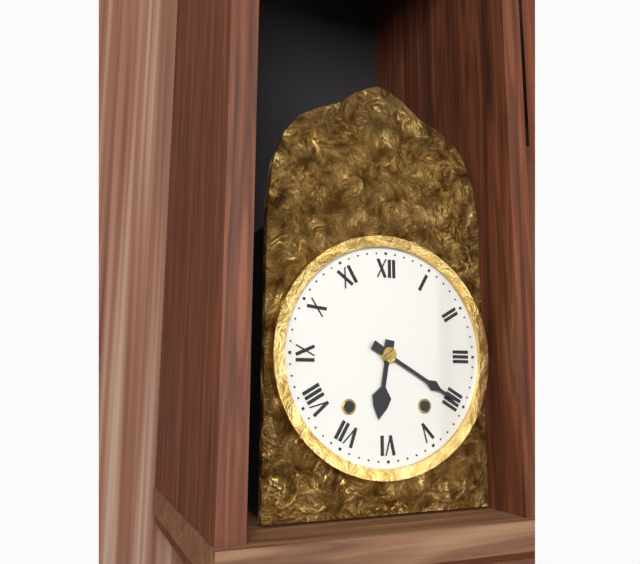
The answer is 6.20
